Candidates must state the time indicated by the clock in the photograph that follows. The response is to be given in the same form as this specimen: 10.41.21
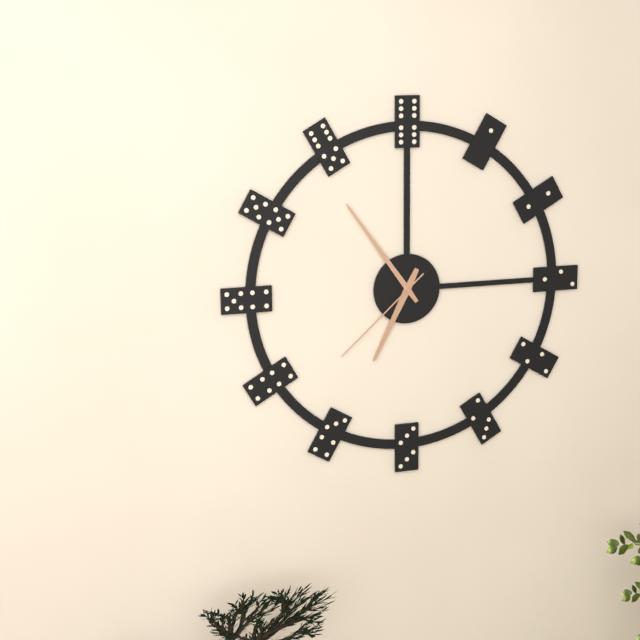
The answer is 6.54.38
